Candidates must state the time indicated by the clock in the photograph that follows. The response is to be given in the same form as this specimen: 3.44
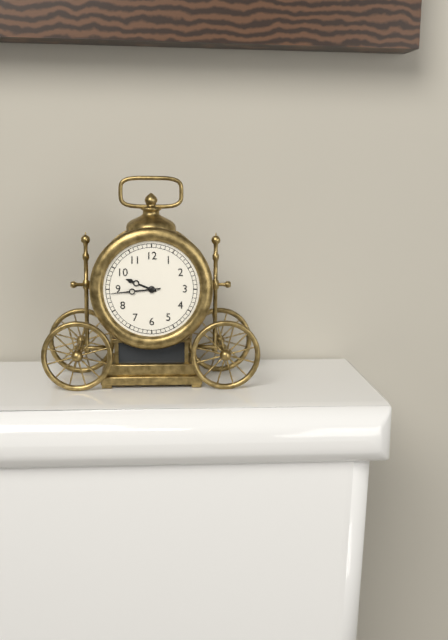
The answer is 9.44
